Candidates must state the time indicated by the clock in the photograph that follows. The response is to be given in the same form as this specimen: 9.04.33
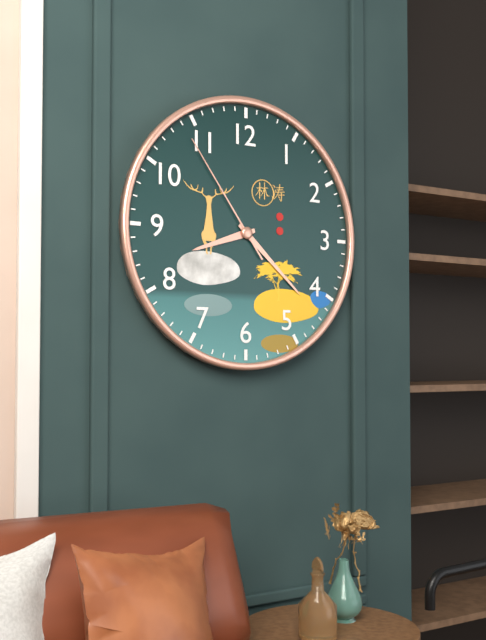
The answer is 8.22.54
